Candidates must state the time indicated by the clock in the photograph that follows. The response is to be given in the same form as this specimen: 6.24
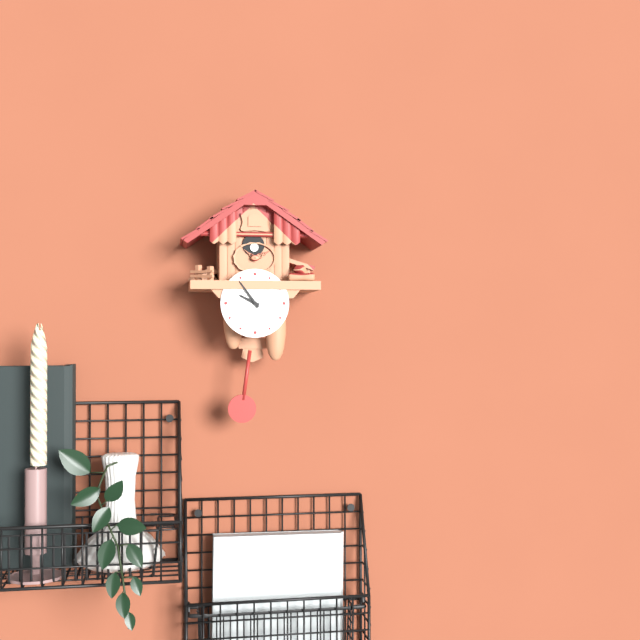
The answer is 9.54
